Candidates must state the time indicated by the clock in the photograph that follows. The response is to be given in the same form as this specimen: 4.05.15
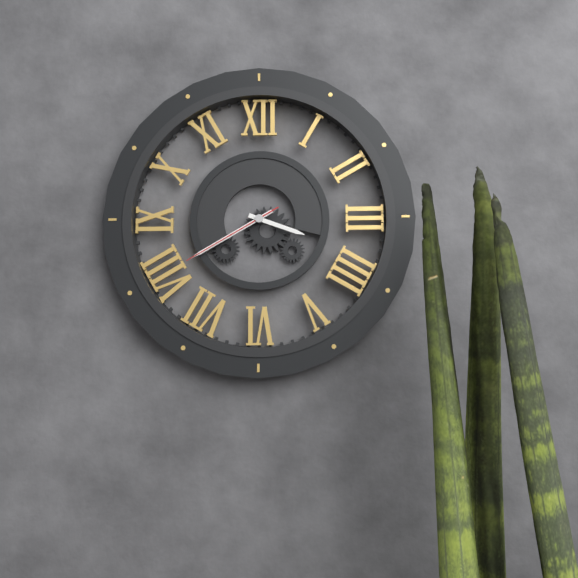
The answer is 3.40.40
